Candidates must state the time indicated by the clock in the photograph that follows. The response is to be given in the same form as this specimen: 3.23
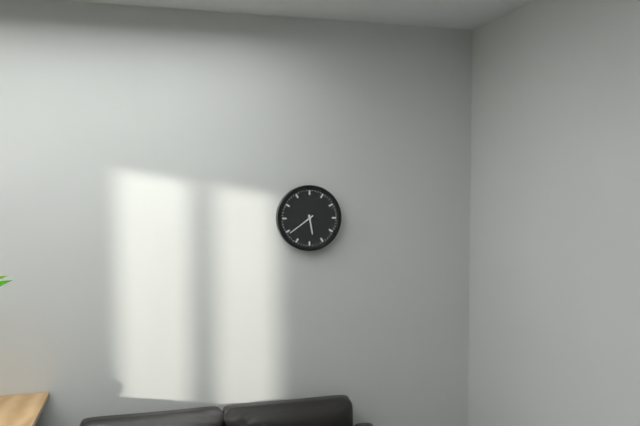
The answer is 5.39
